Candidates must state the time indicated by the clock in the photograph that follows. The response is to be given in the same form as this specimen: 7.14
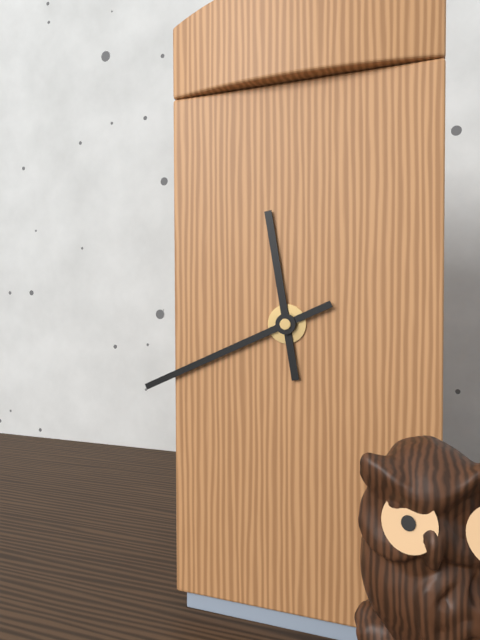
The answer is 11.41
